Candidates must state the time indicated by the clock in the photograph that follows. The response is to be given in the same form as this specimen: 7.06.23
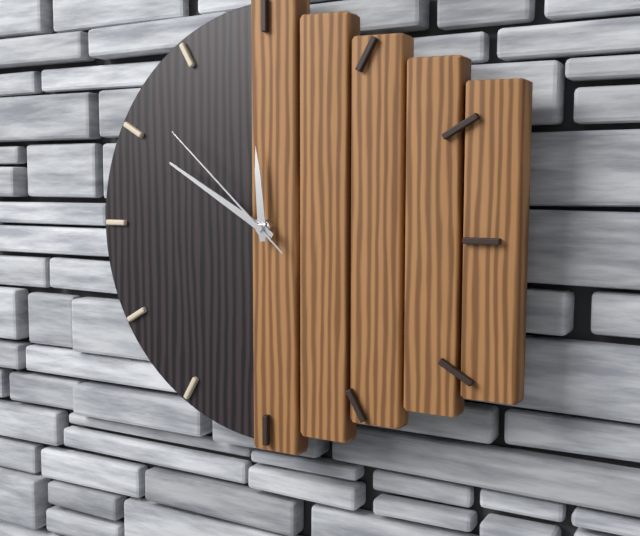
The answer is 11.50.52
